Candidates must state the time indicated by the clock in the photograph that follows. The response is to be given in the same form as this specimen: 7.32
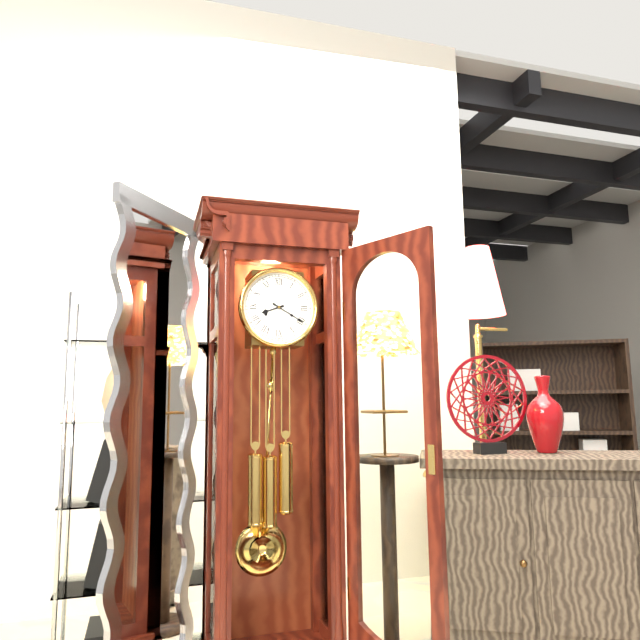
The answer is 8.20
